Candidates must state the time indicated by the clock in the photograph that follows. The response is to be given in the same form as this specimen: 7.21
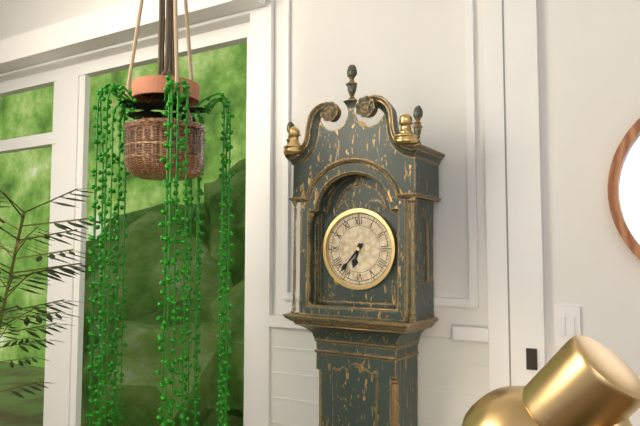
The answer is 6.37
